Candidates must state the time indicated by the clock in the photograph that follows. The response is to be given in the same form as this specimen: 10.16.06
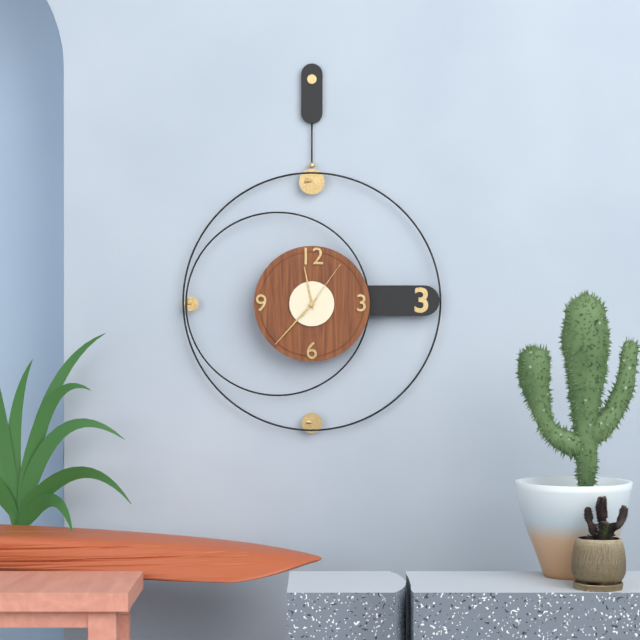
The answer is 11.37.06
